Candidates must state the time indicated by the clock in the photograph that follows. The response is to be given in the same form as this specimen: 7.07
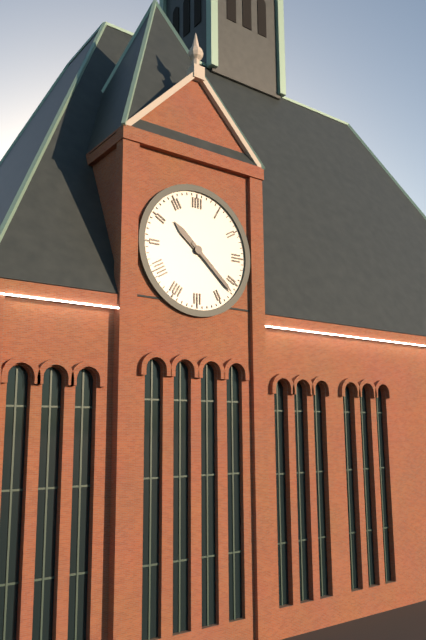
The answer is 10.22
